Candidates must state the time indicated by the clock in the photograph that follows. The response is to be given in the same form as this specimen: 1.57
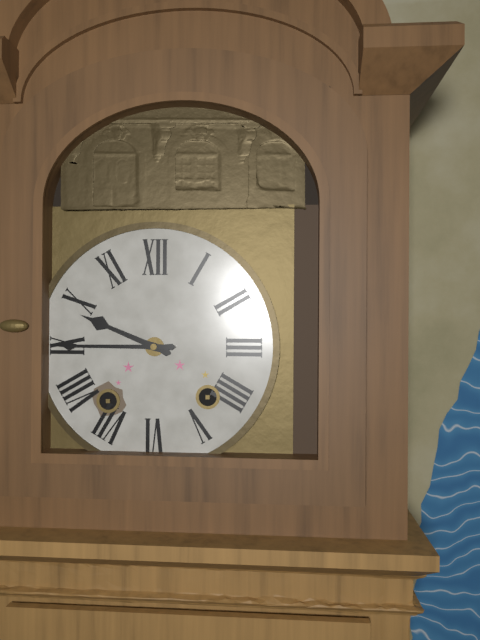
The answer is 9.45
